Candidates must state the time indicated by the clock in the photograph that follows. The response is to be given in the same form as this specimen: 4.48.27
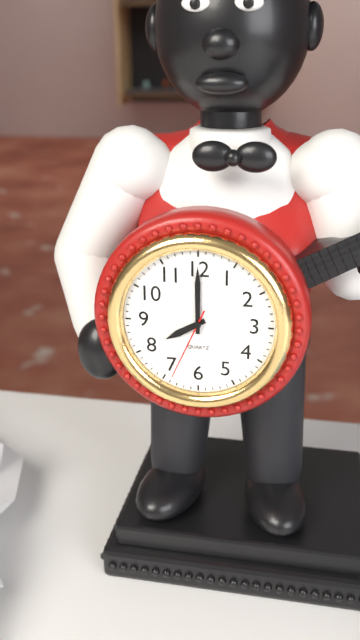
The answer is 8.00.34
